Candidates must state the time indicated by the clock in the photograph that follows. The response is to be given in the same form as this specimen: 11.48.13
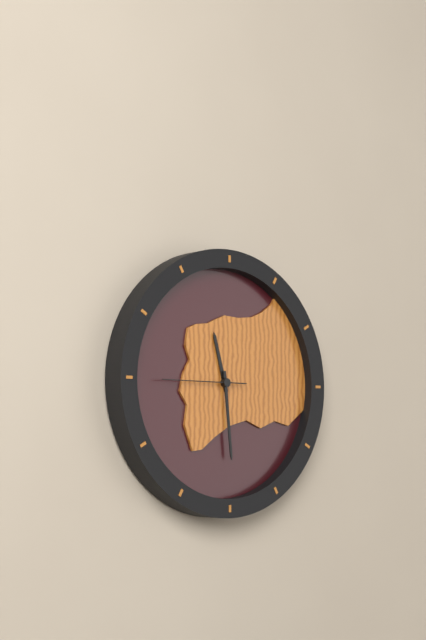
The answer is 11.29.45
